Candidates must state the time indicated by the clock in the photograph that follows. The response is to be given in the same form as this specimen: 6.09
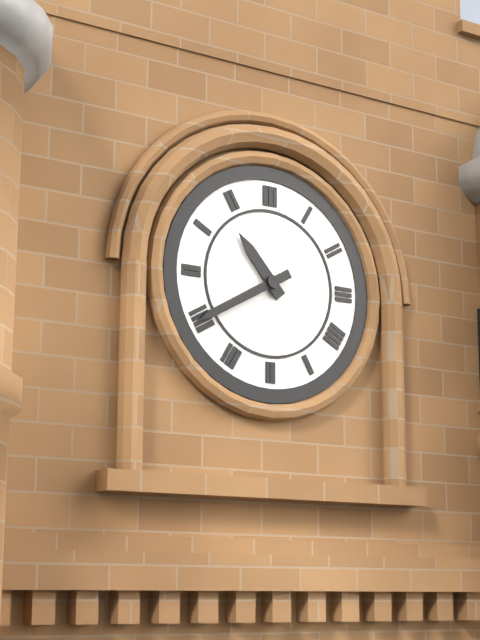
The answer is 10.40
